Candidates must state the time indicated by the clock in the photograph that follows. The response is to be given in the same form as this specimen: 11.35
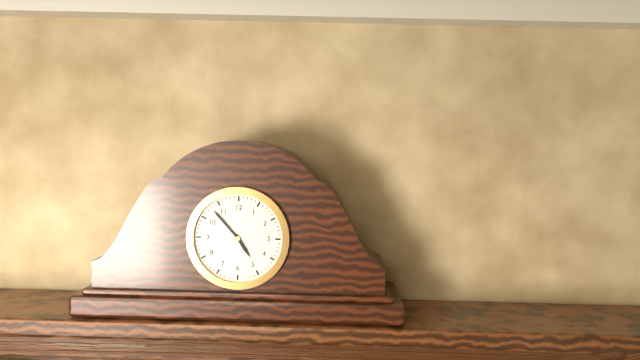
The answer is 4.53
